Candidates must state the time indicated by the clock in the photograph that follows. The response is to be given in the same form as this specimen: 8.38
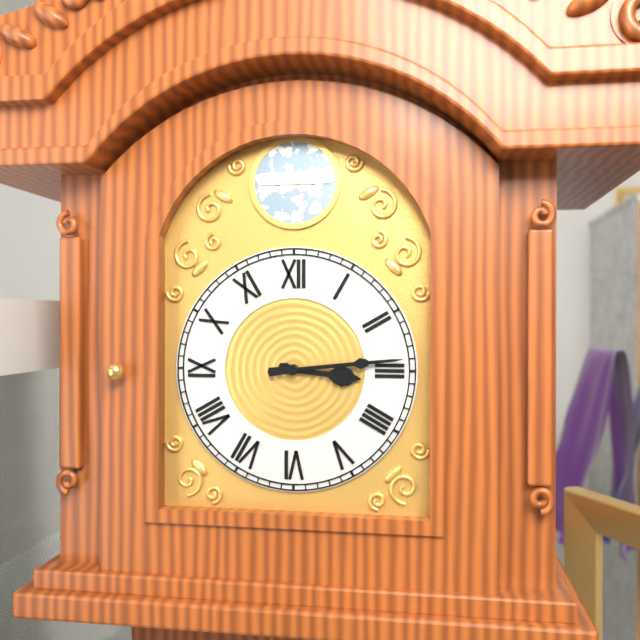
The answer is 3.14
